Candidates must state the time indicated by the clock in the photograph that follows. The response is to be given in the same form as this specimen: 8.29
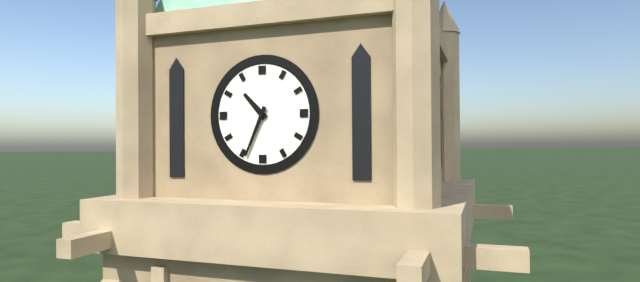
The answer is 10.34
